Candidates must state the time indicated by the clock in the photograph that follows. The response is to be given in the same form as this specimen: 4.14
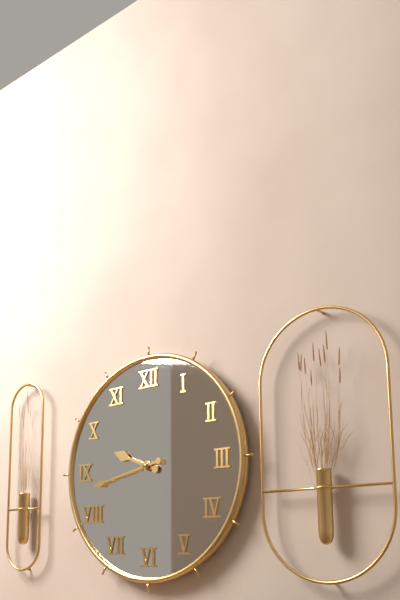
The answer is 9.43
